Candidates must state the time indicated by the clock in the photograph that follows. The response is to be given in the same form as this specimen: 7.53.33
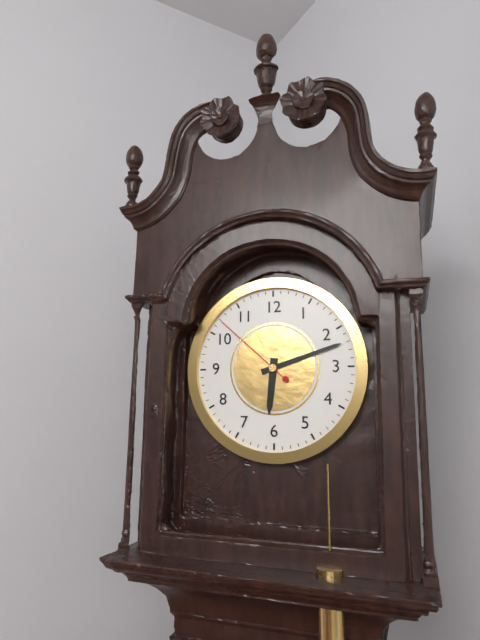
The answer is 6.12.52
